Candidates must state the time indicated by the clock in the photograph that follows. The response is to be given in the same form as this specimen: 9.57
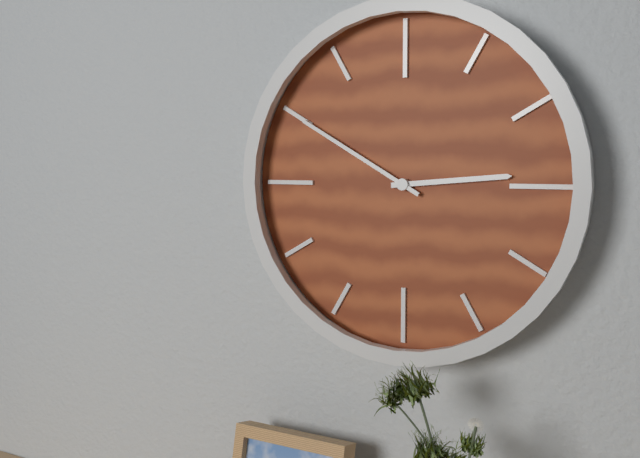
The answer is 2.50
